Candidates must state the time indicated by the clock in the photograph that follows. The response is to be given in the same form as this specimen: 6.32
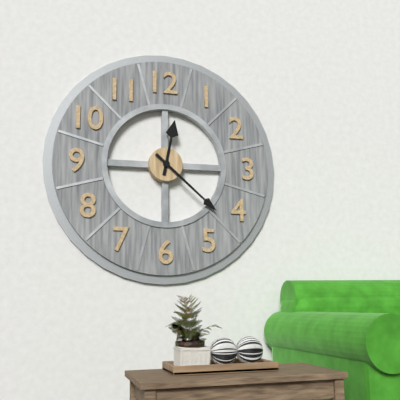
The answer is 12.22
